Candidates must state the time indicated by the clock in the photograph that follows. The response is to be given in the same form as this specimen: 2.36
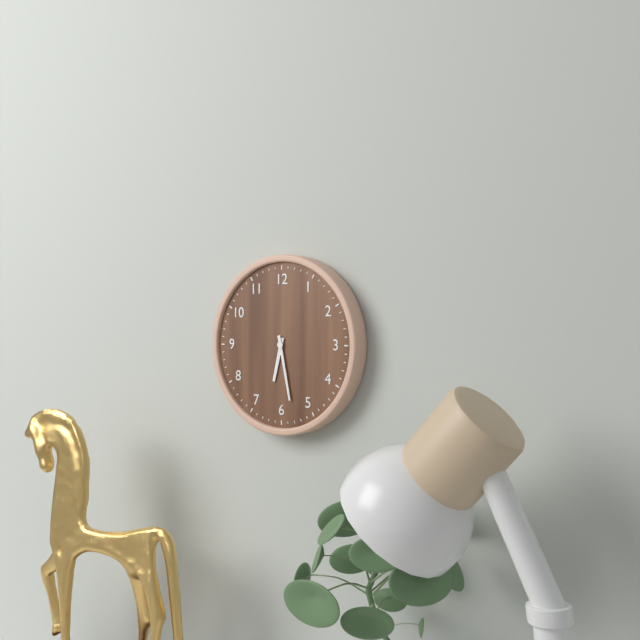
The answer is 6.28
